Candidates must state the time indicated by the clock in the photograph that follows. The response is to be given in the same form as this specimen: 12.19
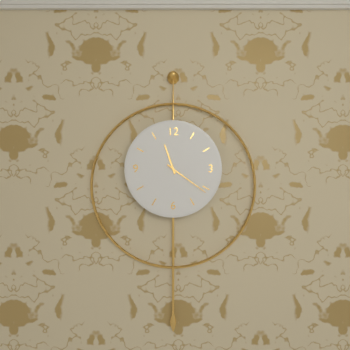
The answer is 11.21
